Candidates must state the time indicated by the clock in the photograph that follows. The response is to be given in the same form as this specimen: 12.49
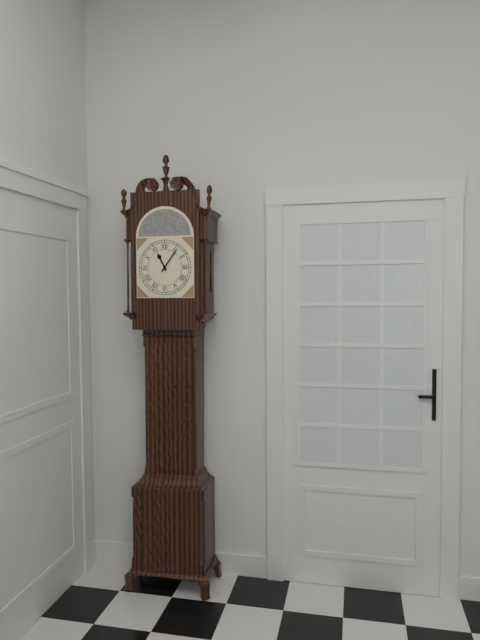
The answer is 11.06
